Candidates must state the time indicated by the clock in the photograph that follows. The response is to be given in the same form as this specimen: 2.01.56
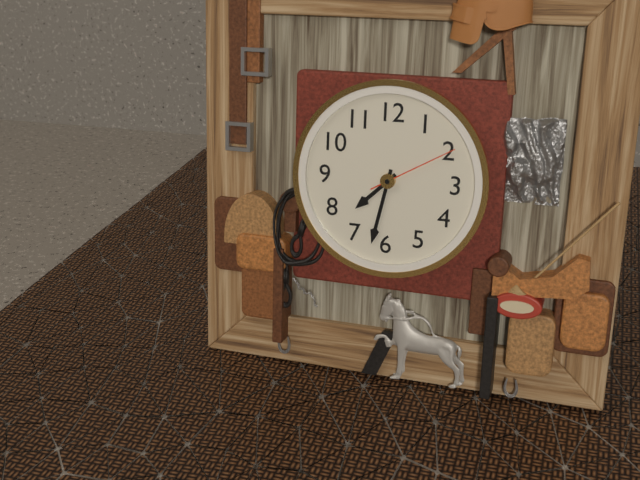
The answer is 7.32.10
